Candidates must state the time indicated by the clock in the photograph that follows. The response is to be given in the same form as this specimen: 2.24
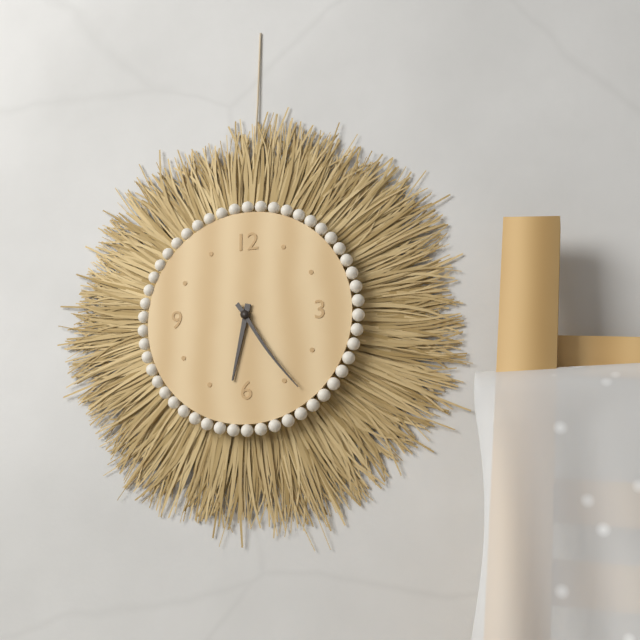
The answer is 6.24
